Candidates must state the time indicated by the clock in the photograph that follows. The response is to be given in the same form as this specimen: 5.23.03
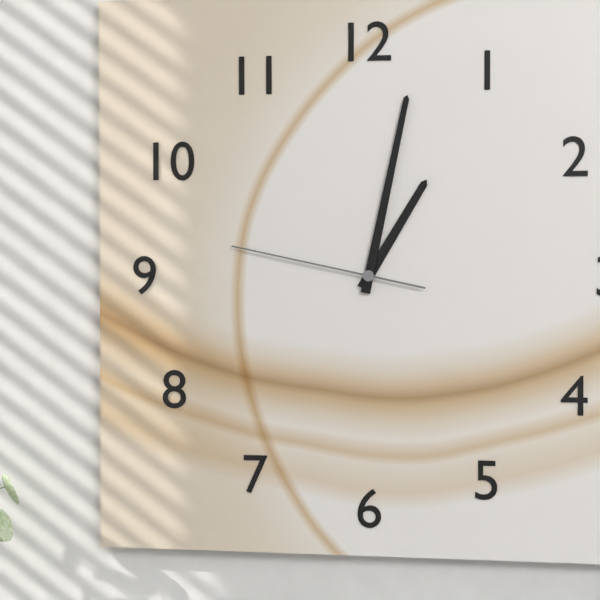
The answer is 1.02.47
